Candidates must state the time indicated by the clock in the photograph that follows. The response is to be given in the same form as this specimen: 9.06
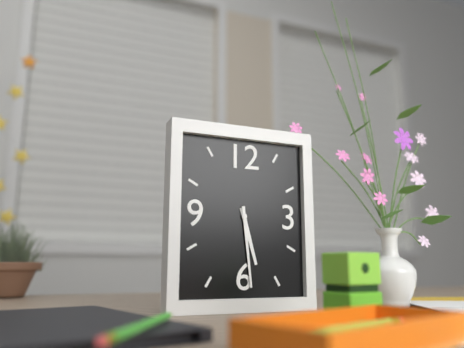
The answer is 5.29
